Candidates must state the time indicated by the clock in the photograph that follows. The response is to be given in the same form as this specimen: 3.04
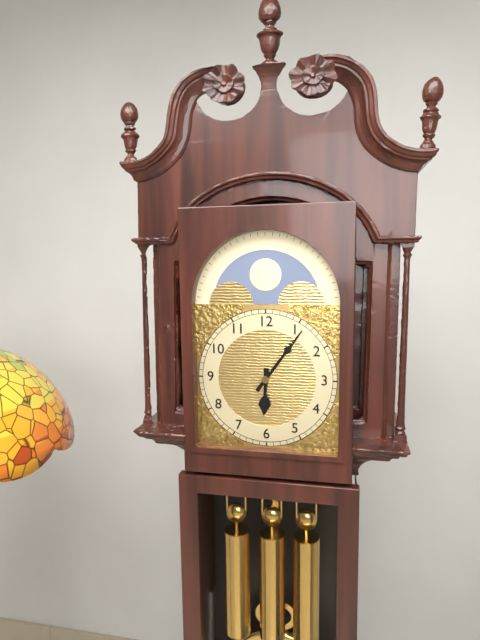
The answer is 6.06
